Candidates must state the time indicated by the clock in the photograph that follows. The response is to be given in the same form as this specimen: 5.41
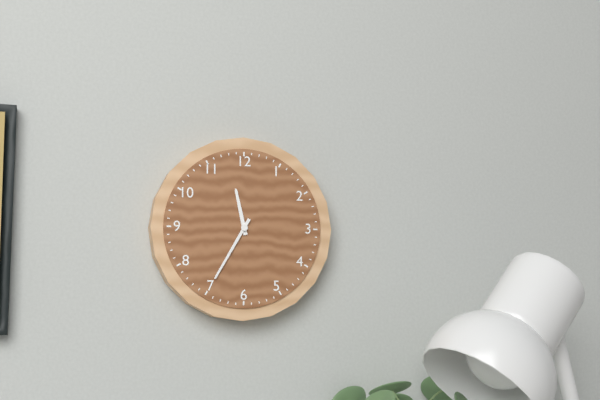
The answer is 11.35
